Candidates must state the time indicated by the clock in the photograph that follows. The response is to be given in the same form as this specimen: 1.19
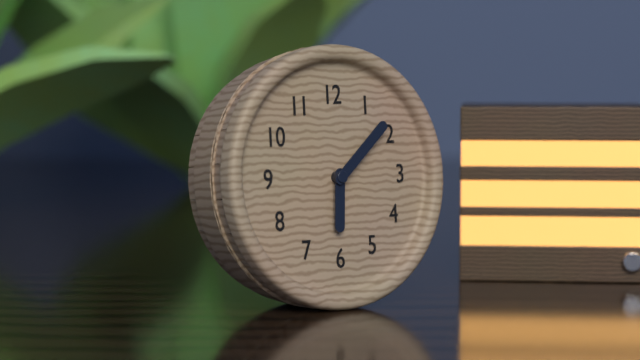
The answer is 6.08
